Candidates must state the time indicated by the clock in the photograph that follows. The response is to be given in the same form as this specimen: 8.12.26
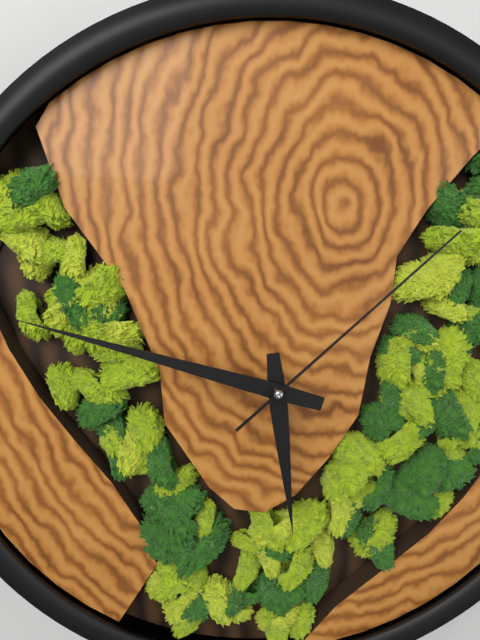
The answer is 5.48.08
